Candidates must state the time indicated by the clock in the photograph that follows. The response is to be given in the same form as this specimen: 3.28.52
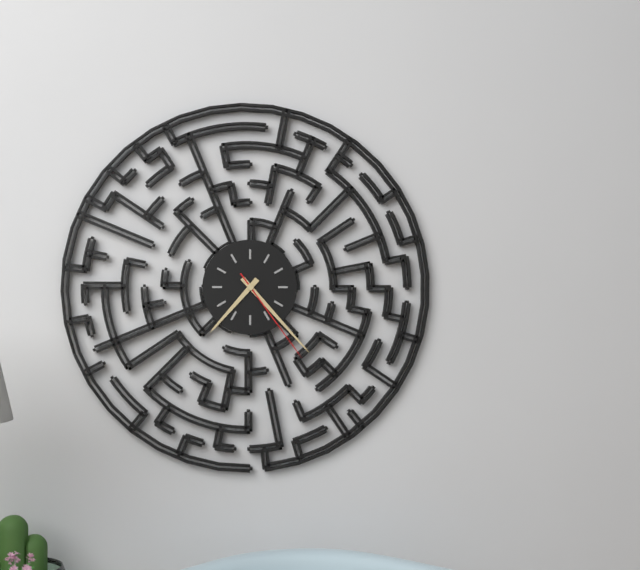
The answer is 7.23.24
